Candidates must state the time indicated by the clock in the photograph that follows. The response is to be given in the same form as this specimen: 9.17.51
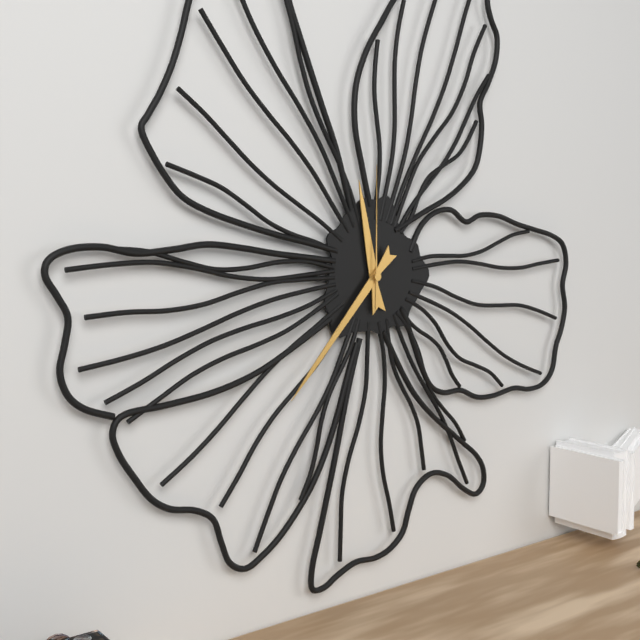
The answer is 11.37.00
